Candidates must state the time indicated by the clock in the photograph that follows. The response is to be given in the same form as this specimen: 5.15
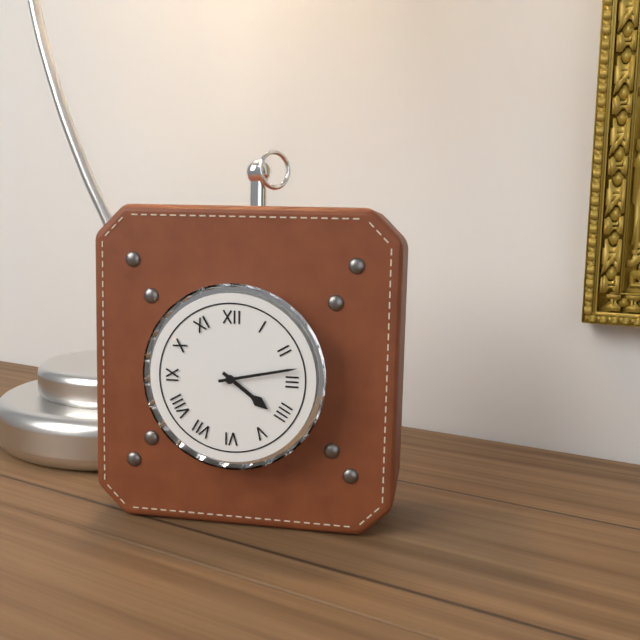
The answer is 4.13
